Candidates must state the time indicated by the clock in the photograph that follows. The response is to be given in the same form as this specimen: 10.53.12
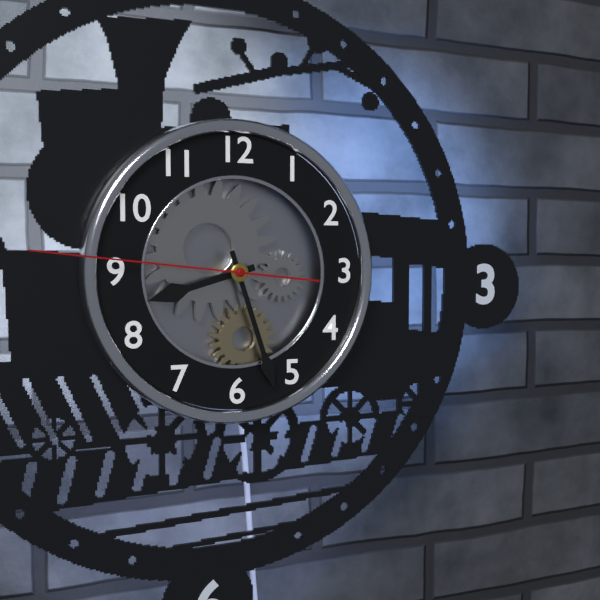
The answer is 8.27.46
